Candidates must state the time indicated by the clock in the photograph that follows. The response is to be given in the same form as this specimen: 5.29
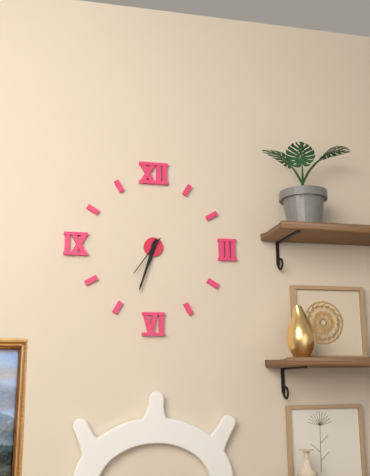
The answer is 6.33
